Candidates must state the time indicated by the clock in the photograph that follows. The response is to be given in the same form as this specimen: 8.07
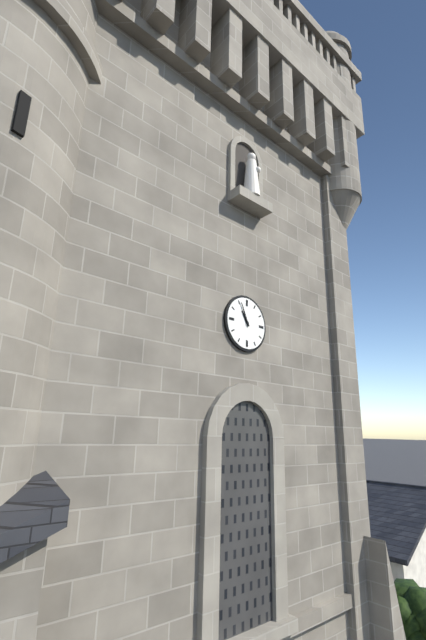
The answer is 10.56
